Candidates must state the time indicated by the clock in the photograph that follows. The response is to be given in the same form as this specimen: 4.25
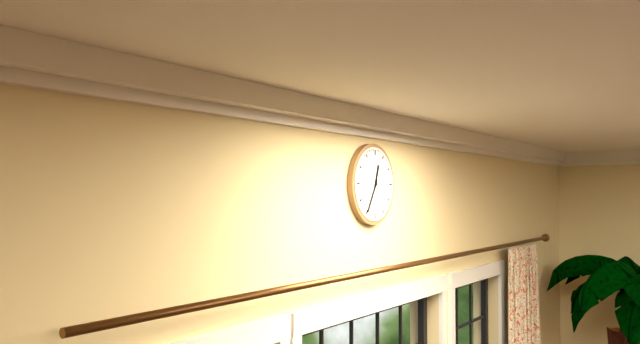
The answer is 12.35
